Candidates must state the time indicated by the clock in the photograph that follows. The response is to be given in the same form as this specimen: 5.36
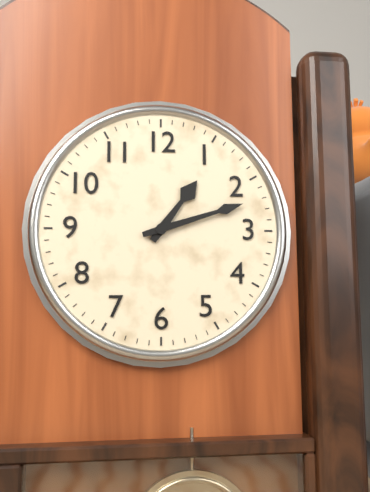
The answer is 1.12
